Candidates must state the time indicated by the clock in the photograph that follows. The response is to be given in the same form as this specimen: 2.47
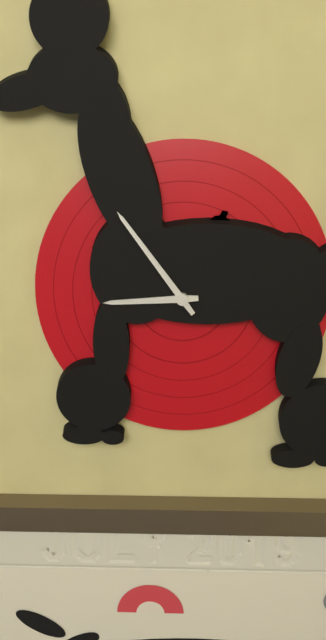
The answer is 8.54
